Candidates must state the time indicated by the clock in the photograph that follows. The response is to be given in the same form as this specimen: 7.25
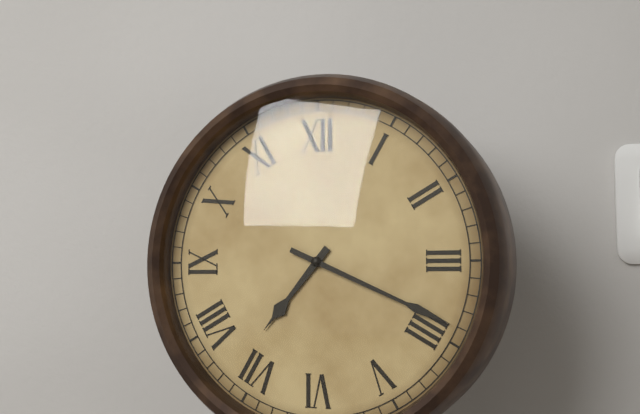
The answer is 7.19
